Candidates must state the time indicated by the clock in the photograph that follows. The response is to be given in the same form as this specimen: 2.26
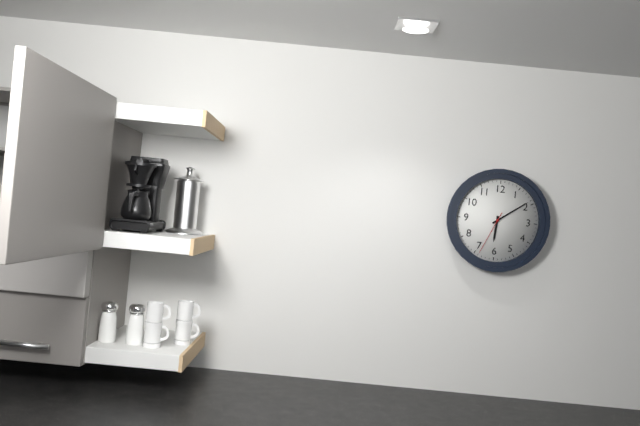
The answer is 6.09
